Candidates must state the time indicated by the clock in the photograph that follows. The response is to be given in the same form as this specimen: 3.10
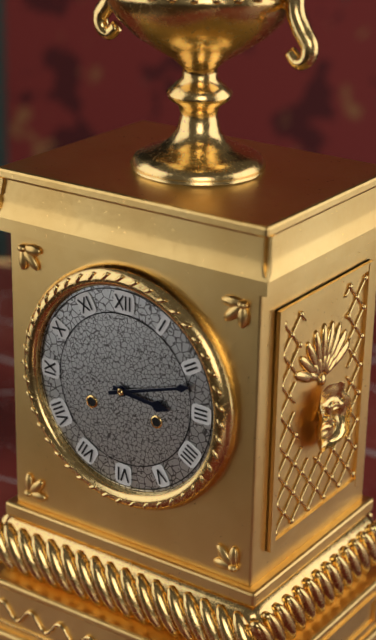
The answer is 3.12
